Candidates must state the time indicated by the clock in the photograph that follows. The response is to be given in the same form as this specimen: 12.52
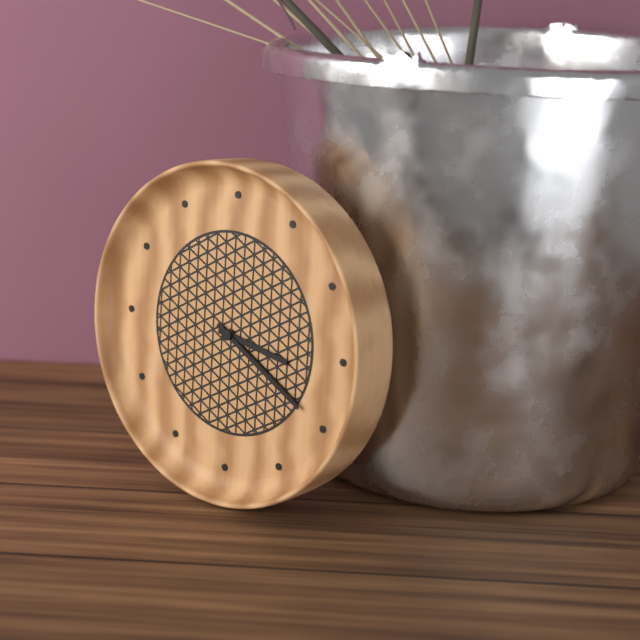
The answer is 3.20
